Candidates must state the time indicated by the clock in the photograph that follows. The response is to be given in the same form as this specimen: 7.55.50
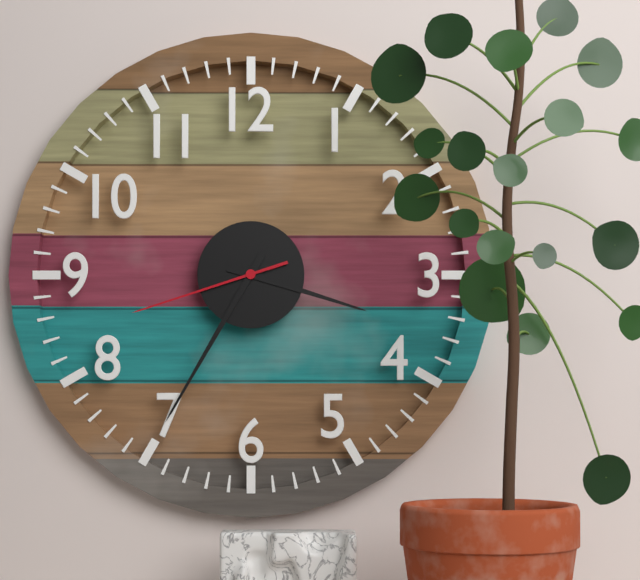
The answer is 3.35.42
